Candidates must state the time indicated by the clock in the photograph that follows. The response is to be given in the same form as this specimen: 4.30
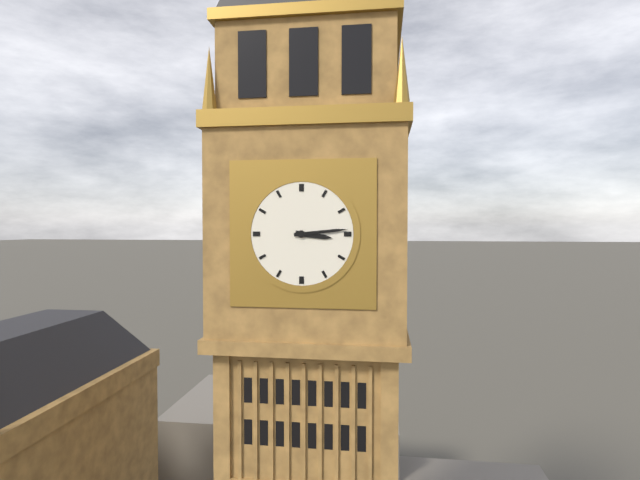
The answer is 3.14
